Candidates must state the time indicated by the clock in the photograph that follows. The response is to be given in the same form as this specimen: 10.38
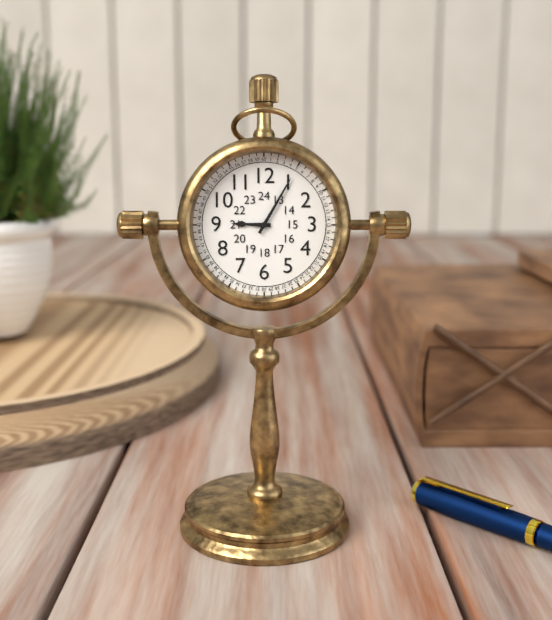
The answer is 9.05
